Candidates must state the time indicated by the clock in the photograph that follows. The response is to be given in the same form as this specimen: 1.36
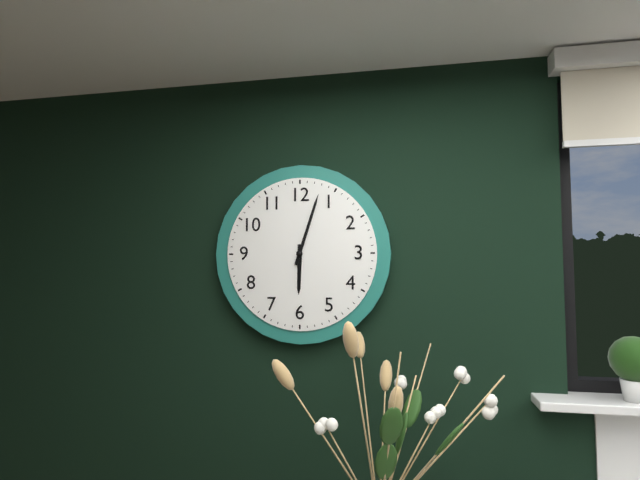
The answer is 6.03
